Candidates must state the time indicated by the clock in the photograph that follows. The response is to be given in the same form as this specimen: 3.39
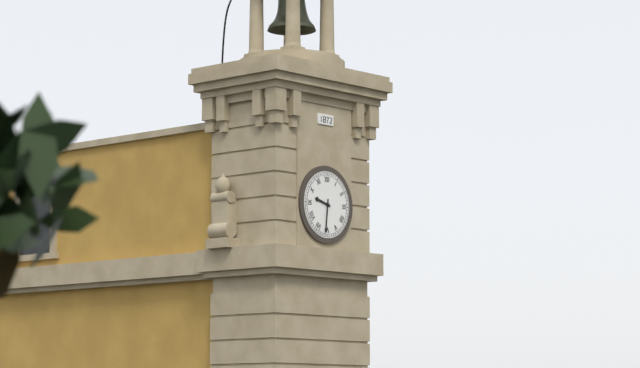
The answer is 9.31
